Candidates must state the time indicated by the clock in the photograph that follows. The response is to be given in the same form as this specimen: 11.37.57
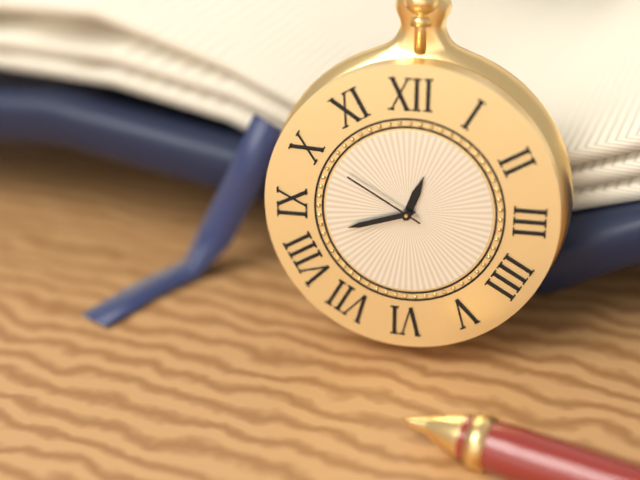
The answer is 12.42.50
